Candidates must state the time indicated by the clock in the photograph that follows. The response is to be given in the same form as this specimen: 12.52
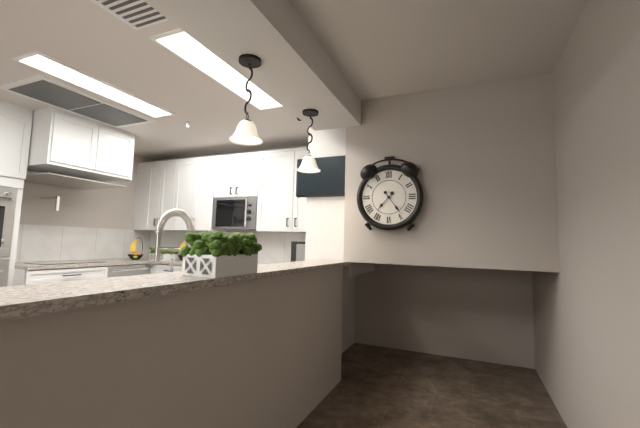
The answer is 7.24
